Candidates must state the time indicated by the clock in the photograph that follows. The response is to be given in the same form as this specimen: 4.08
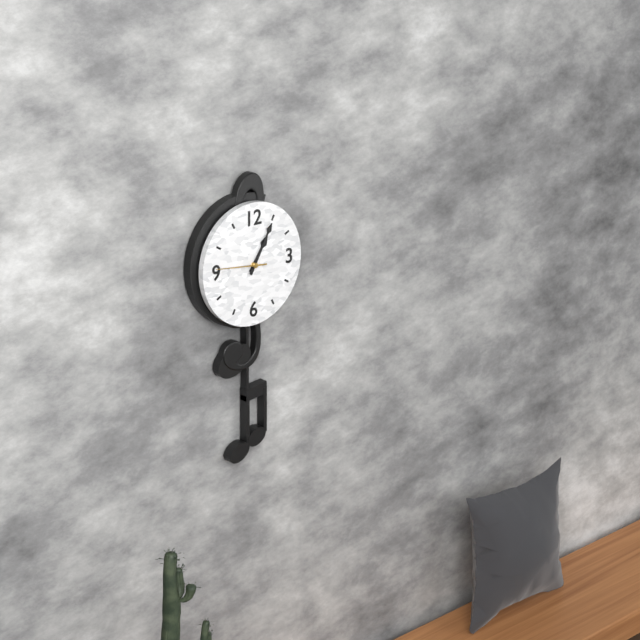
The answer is 1.05
